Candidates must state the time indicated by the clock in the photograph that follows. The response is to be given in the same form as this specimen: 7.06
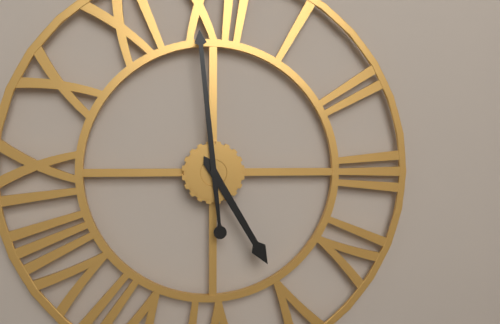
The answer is 4.59
